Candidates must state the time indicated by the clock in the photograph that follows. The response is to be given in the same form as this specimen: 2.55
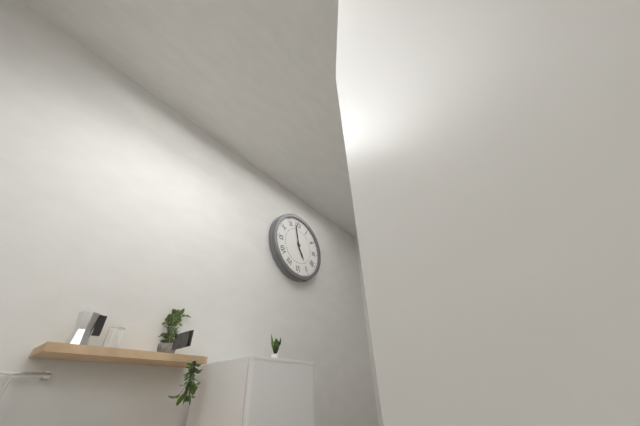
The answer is 4.58
